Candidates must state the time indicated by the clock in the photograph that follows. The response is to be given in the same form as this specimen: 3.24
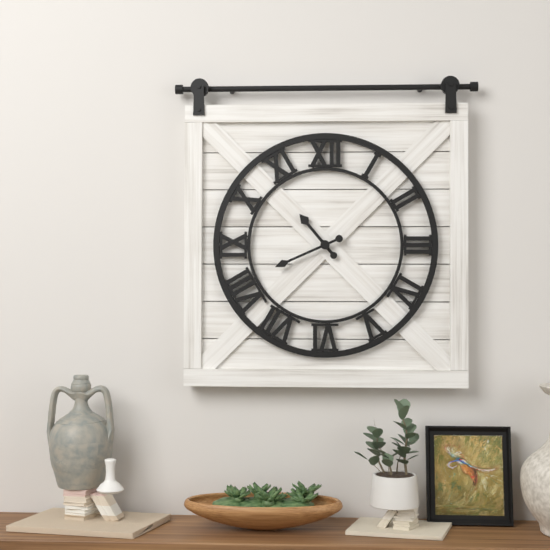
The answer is 10.41
